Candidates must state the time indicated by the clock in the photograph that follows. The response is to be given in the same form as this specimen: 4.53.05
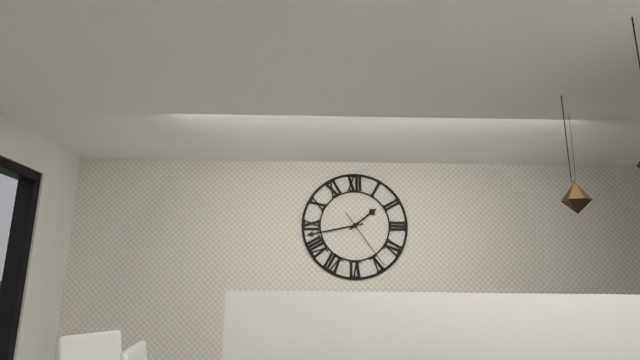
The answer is 1.43.24
